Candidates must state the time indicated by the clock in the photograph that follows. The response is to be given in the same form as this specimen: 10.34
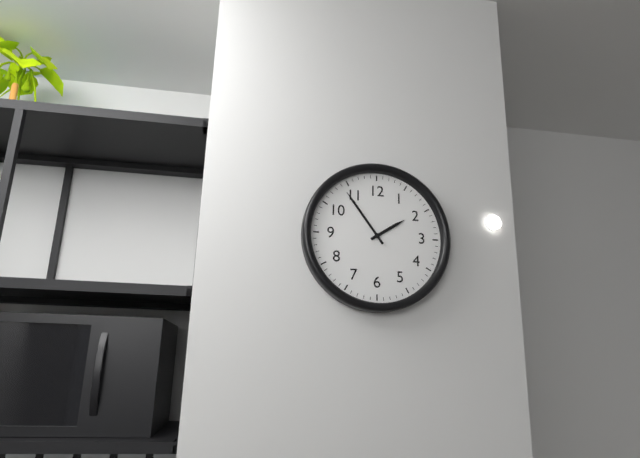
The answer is 1.54
